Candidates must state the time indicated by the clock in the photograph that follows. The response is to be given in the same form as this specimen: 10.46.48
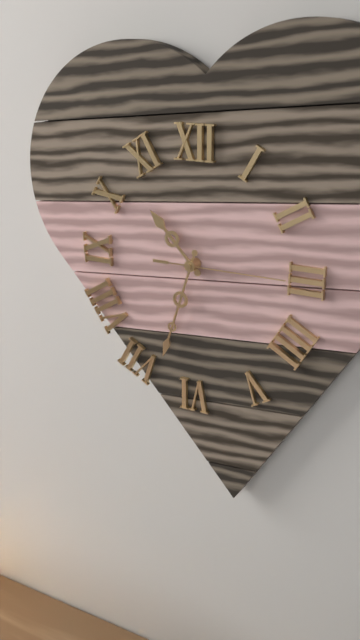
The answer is 10.33.15
